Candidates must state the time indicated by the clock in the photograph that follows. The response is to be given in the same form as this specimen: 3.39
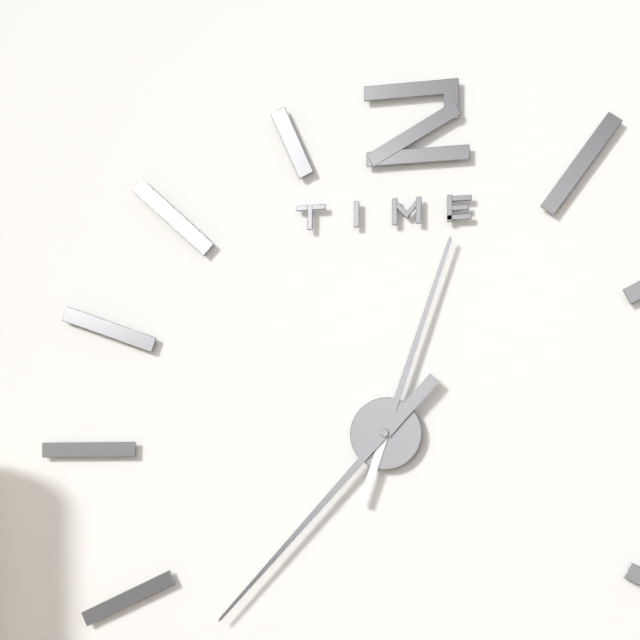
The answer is 12.37
